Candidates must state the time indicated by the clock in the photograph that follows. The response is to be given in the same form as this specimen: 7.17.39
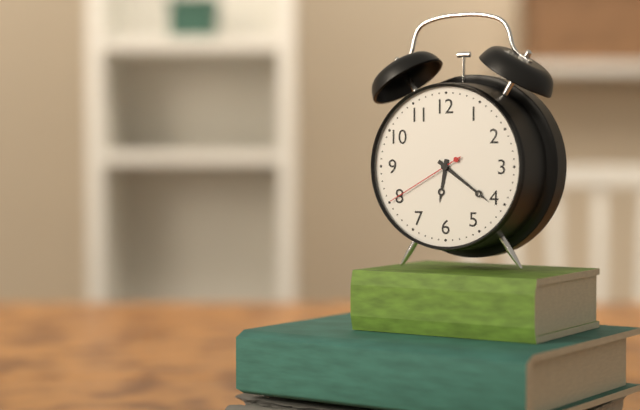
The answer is 6.21.40
